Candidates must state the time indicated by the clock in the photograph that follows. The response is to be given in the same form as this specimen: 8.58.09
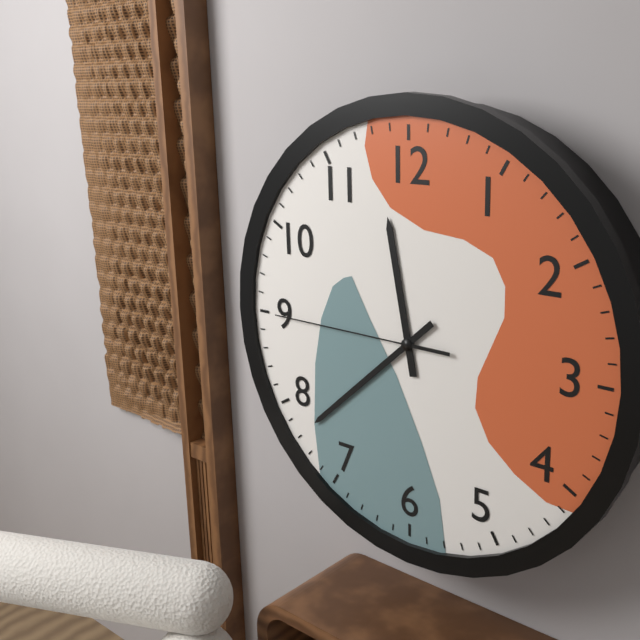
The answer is 11.38.45
